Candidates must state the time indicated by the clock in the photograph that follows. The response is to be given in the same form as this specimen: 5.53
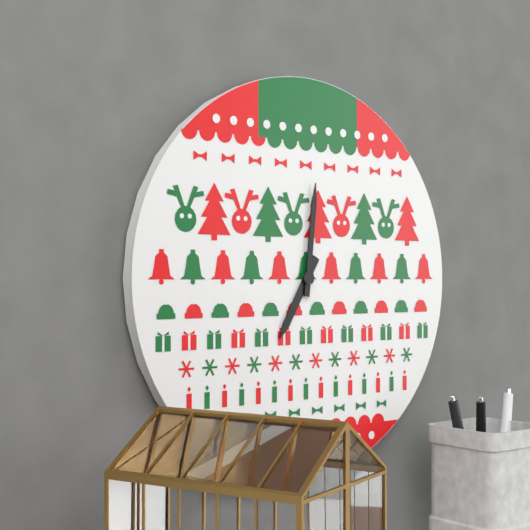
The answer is 7.01
